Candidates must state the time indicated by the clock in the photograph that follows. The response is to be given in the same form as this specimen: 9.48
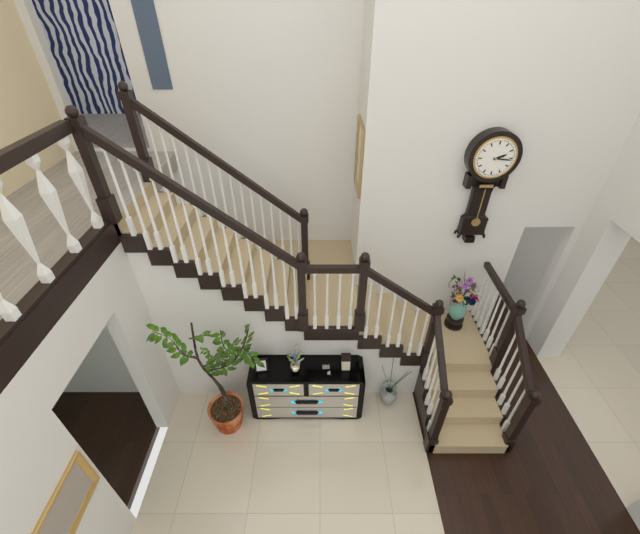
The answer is 2.16
